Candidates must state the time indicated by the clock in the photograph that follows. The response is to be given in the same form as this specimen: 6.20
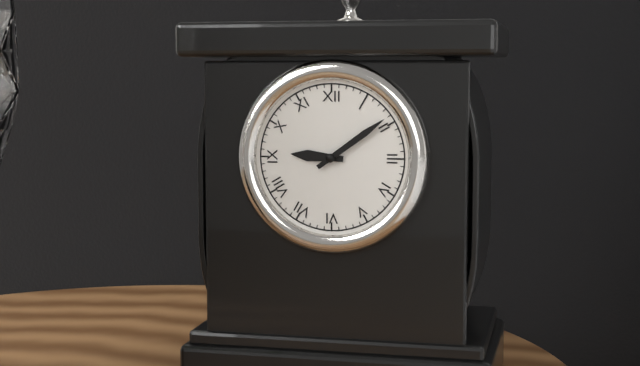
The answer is 9.09
